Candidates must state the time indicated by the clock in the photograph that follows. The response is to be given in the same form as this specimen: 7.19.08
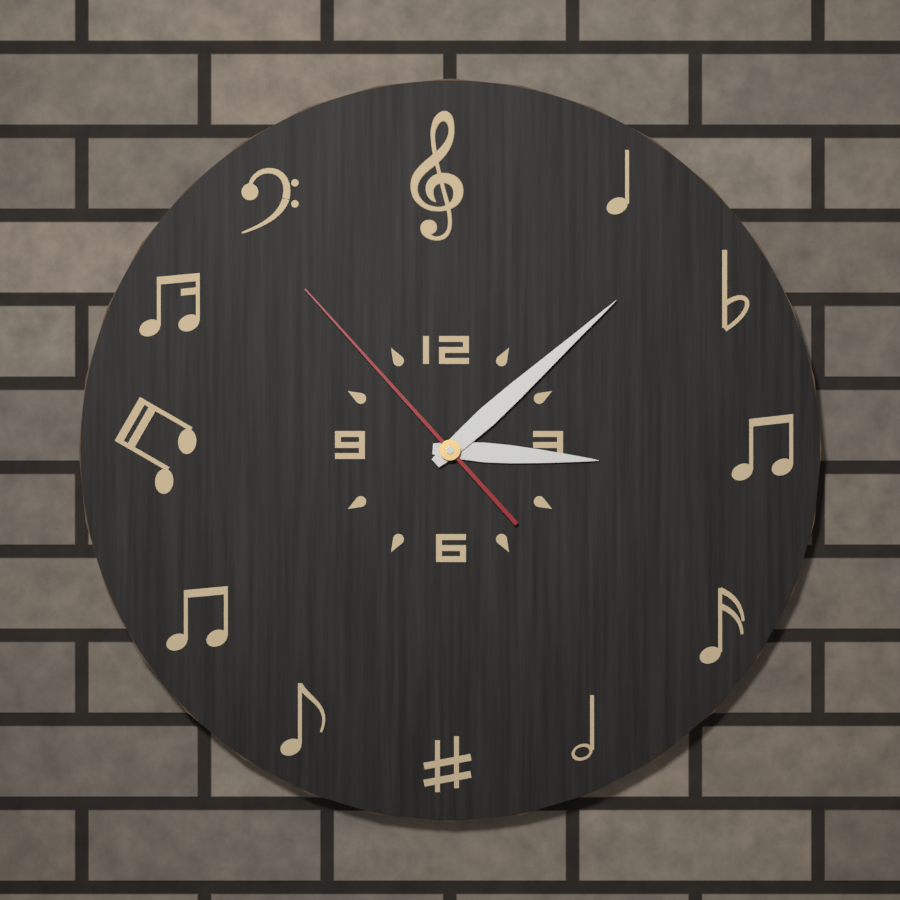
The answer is 3.08.53
